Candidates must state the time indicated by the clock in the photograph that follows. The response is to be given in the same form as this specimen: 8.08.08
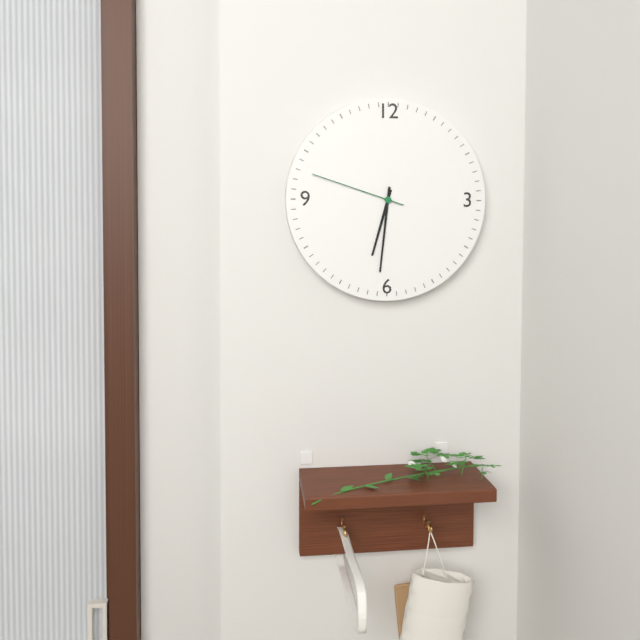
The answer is 6.31.48
